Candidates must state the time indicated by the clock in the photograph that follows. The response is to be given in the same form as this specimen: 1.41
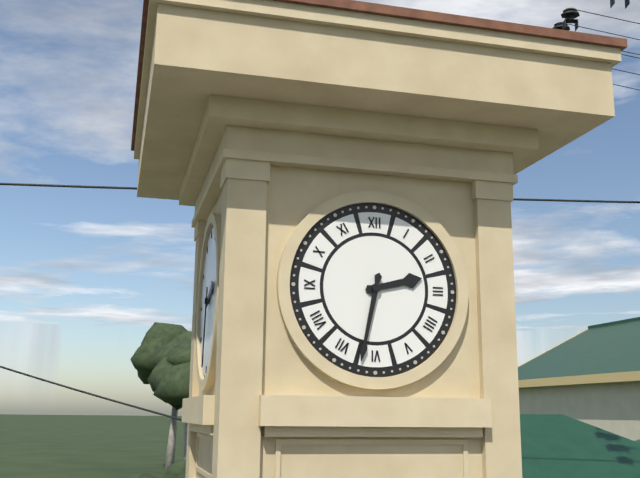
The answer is 2.32
